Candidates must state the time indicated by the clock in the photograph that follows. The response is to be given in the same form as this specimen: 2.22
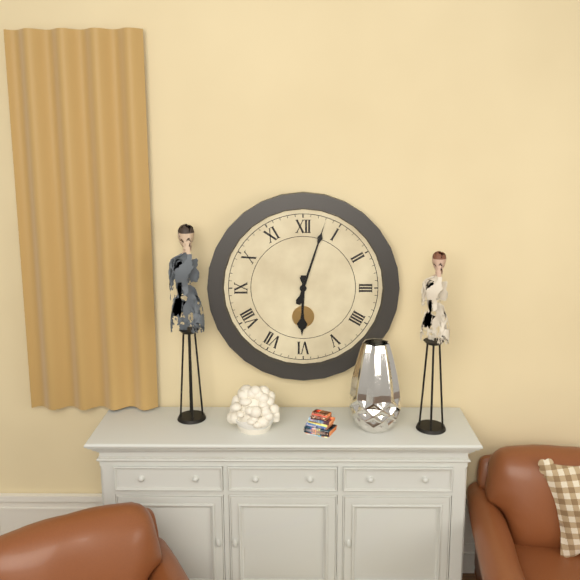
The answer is 6.03
